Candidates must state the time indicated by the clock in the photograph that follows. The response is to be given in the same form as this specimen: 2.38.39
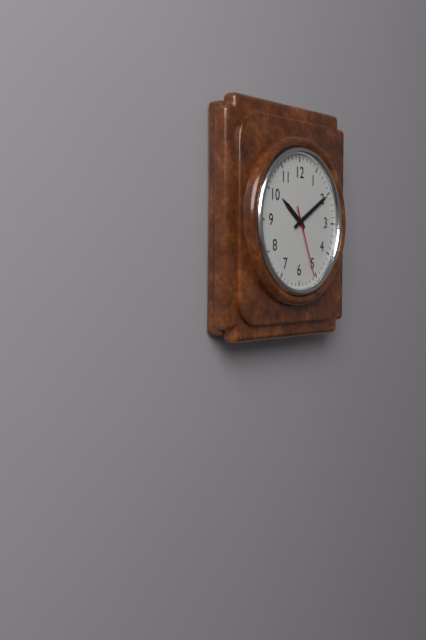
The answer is 10.10.26
